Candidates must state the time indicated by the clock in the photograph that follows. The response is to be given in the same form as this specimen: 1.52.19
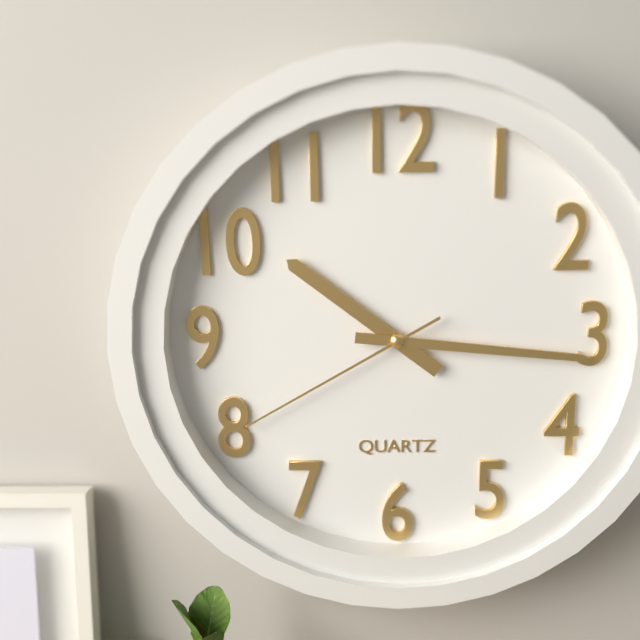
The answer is 10.16.40
